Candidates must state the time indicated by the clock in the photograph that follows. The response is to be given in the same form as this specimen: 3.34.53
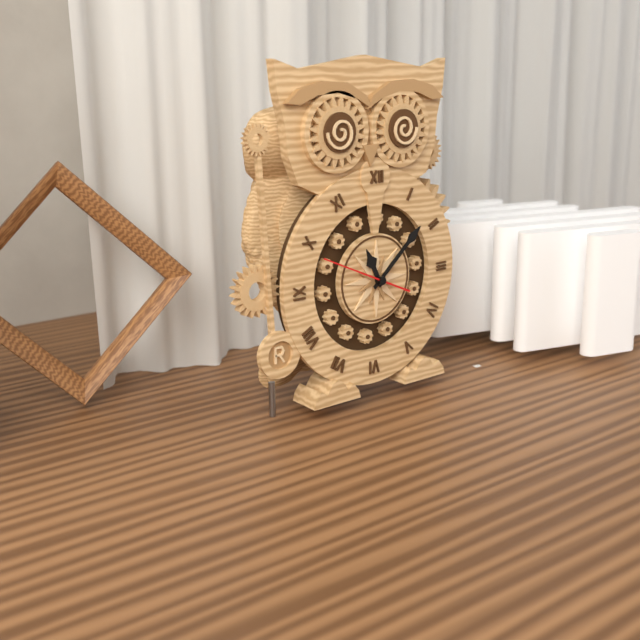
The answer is 11.08.49
